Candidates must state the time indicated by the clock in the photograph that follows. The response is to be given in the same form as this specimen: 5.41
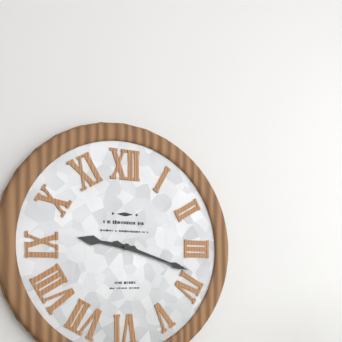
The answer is 9.18
